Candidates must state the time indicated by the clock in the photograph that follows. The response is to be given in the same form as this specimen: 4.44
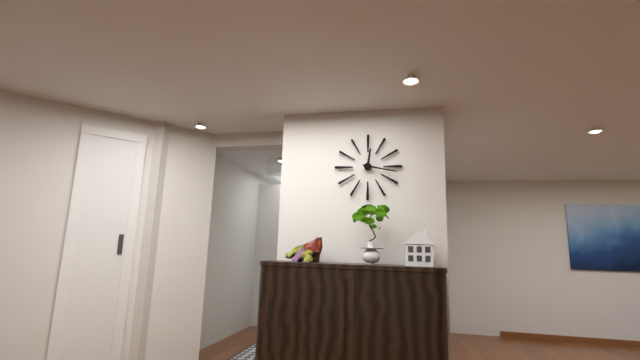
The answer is 12.17
